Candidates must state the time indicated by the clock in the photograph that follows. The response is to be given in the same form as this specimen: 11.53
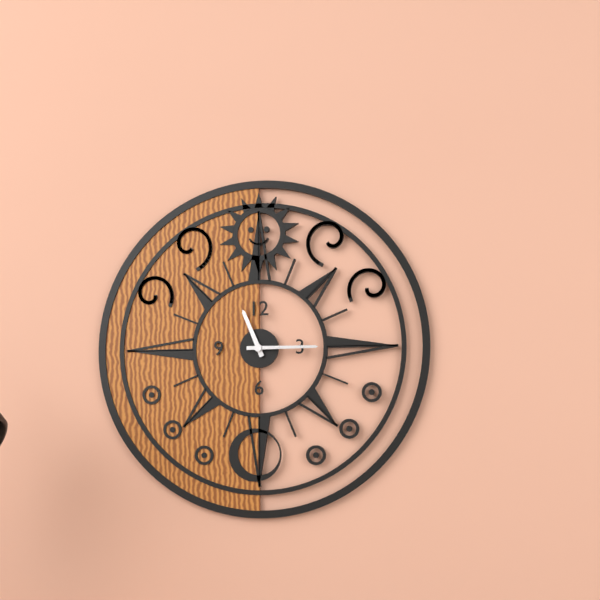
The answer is 11.15
